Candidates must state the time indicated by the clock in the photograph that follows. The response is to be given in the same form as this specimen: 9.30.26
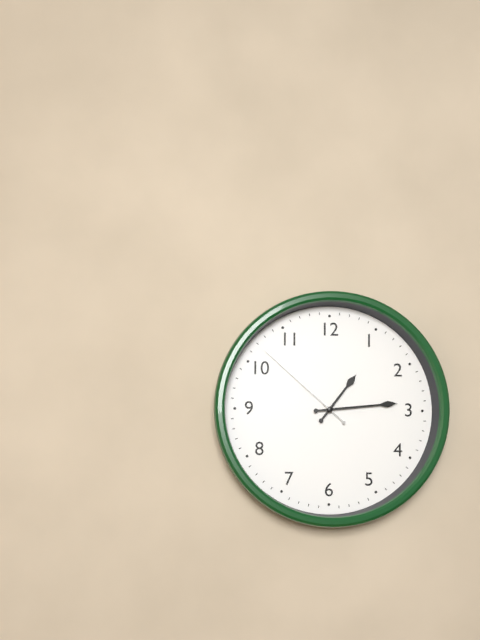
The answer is 1.14.52
